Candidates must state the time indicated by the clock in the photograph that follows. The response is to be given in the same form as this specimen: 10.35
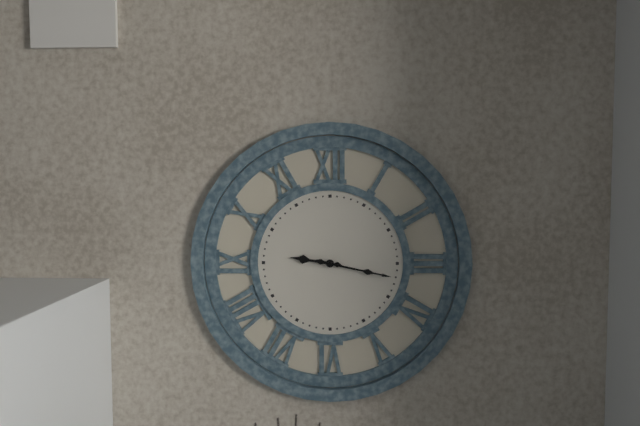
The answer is 9.17
